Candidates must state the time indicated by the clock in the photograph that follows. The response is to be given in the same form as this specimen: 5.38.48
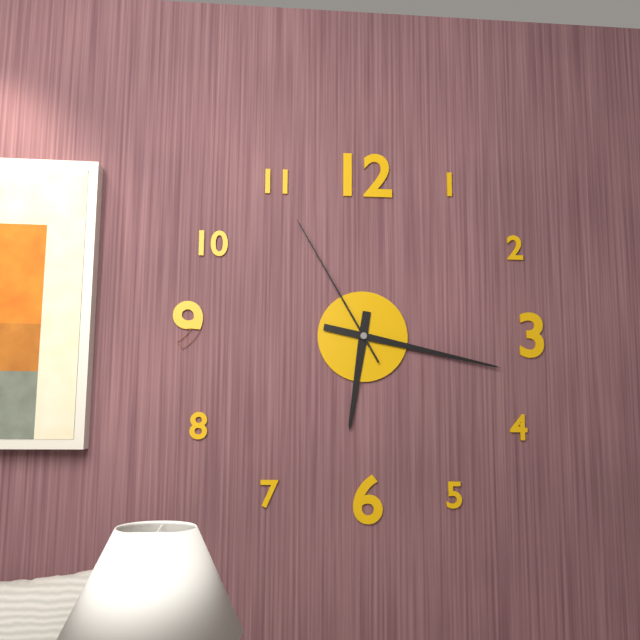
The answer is 6.17.55
